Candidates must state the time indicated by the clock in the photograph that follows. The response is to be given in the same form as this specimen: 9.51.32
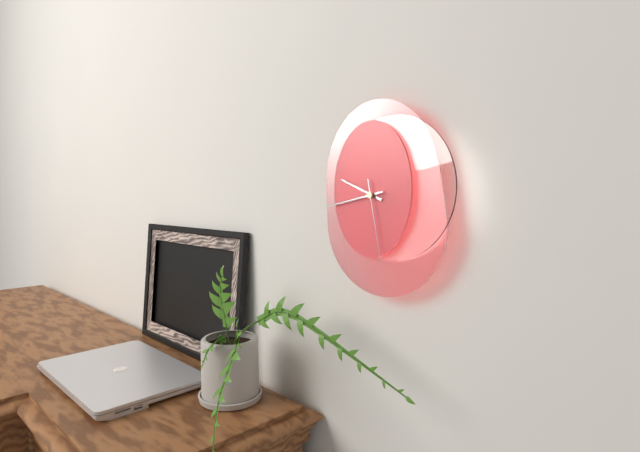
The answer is 9.43.28
